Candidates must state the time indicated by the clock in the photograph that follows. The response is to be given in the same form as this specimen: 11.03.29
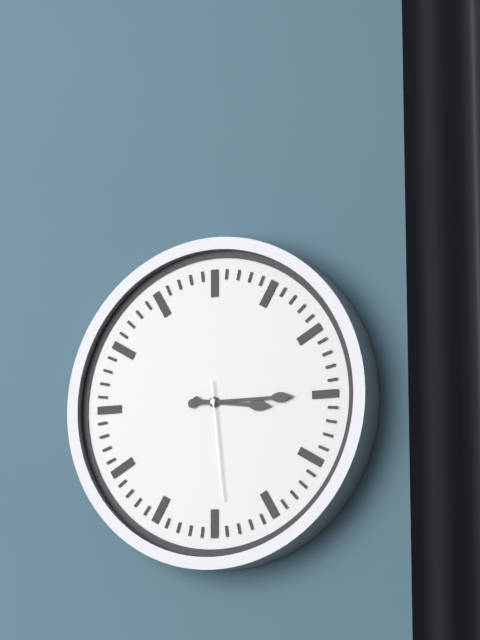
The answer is 3.15.29
